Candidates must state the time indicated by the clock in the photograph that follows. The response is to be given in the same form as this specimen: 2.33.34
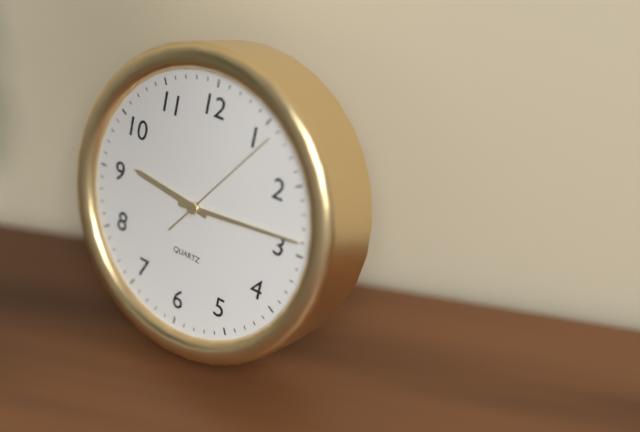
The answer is 9.14.06
